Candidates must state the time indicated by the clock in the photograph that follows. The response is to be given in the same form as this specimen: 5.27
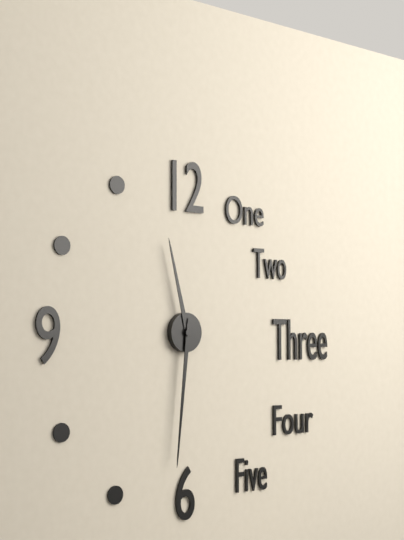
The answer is 11.31
